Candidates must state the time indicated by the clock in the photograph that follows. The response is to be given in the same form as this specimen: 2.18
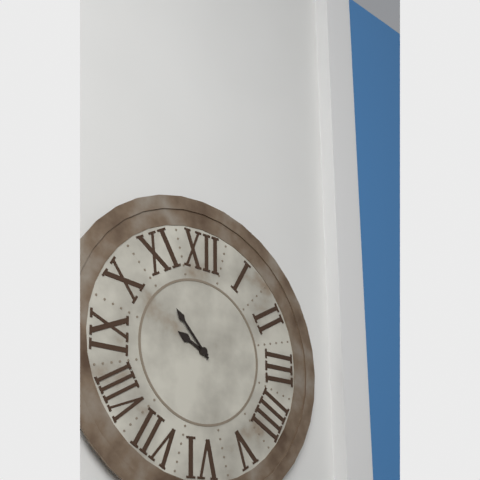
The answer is 9.53
